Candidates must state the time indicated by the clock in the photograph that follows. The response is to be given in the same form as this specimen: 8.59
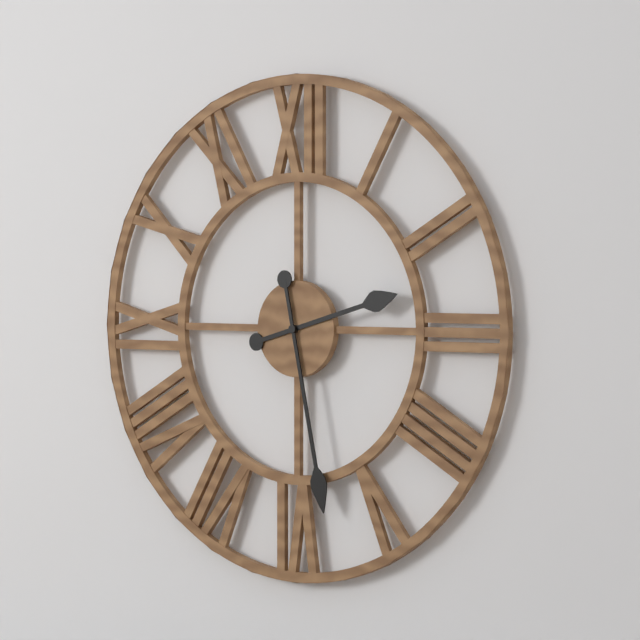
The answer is 2.28
